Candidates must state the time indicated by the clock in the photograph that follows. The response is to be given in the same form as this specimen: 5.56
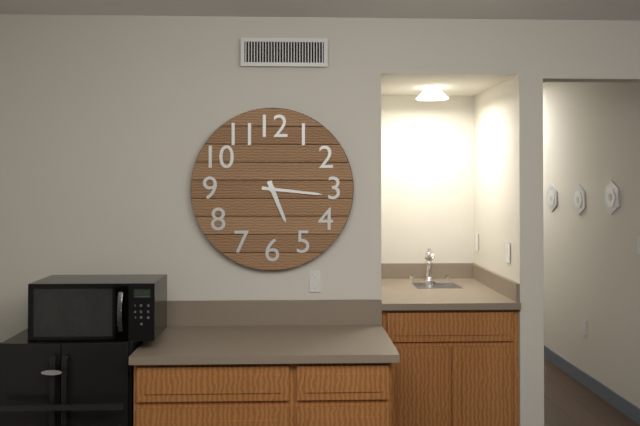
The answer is 5.16
